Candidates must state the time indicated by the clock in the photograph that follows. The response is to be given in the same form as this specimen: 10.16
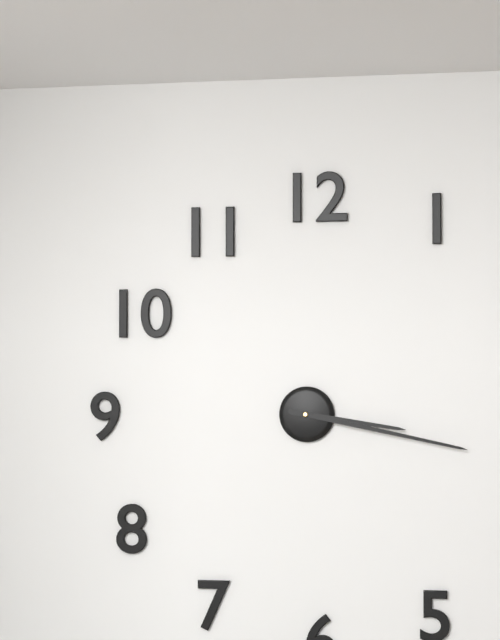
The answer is 3.17
